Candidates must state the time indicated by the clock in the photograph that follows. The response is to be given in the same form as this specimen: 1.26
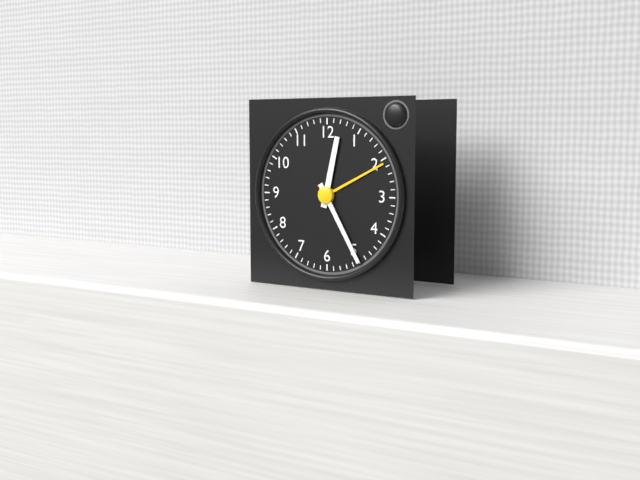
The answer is 12.25
